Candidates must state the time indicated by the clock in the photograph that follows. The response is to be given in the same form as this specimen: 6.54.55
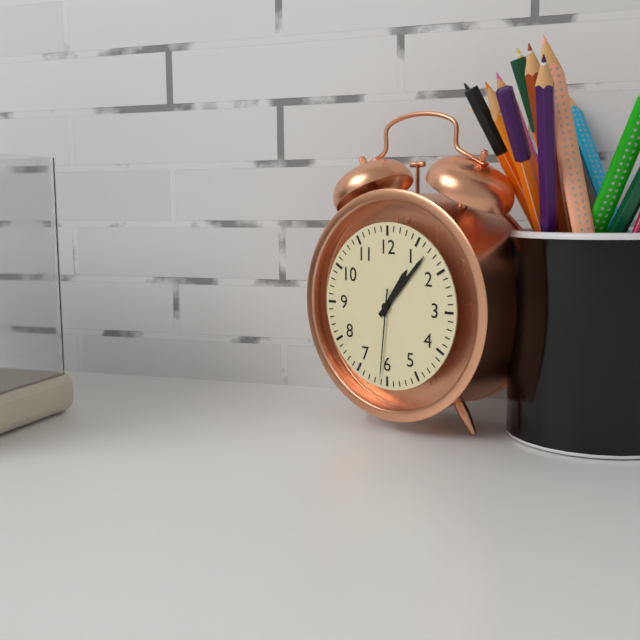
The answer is 1.07.31
